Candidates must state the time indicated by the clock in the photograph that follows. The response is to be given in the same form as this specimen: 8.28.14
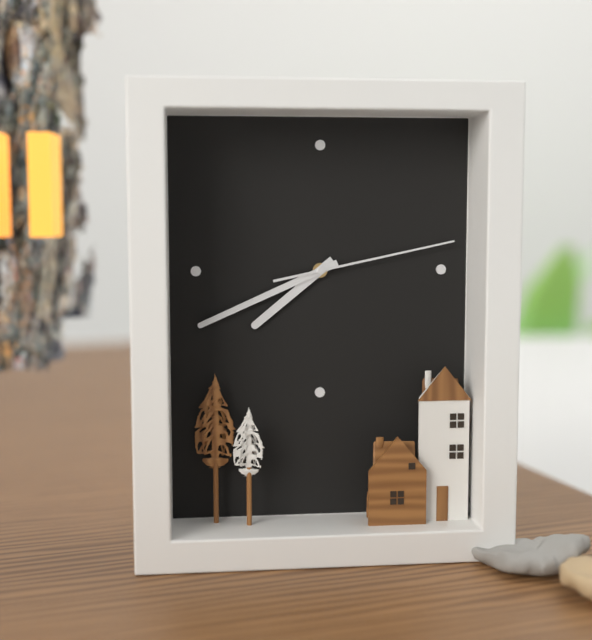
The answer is 7.41.13
